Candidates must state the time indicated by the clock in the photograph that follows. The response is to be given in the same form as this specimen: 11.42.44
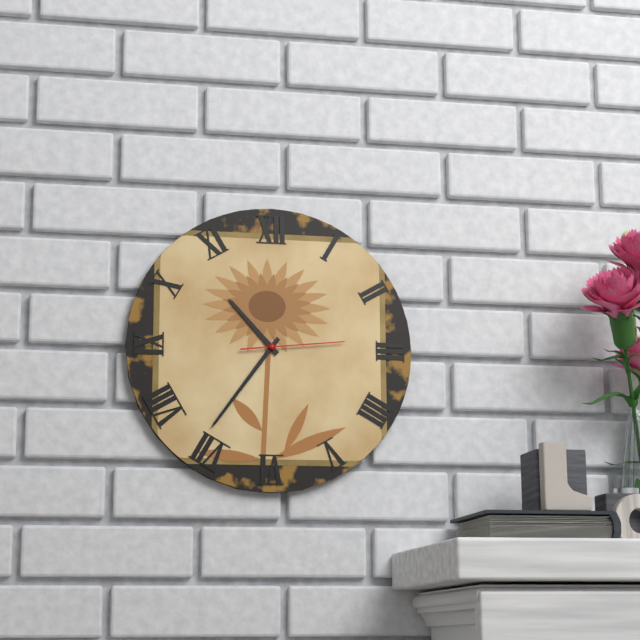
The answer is 10.36.14
